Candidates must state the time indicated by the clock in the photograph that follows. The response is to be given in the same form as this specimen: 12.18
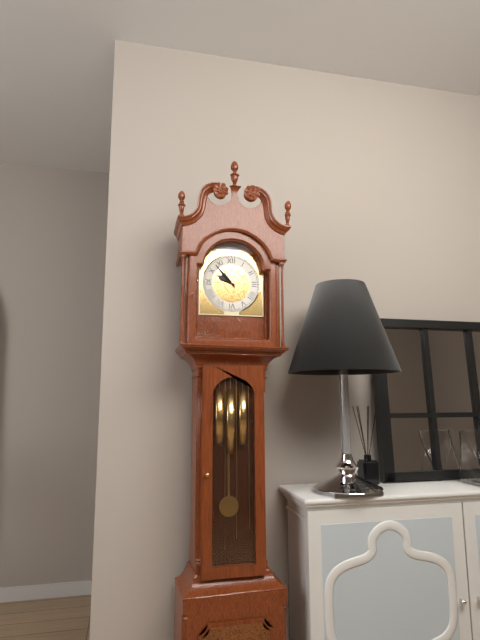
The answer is 9.53
